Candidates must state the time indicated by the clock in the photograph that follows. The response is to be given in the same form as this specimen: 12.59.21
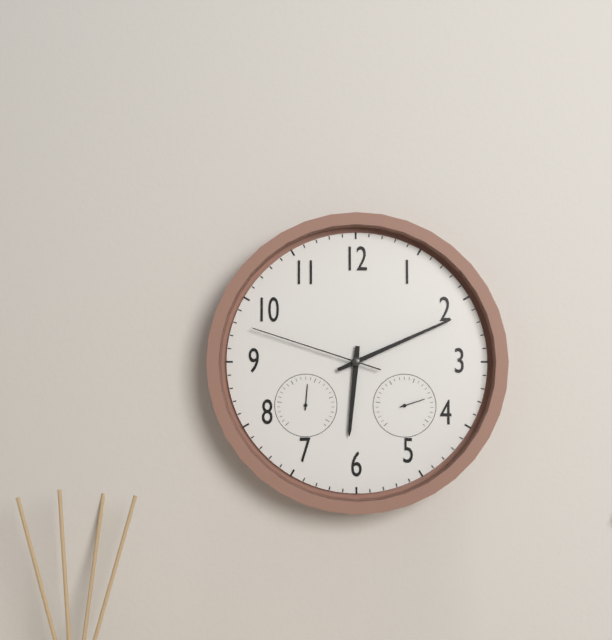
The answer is 6.11.48
